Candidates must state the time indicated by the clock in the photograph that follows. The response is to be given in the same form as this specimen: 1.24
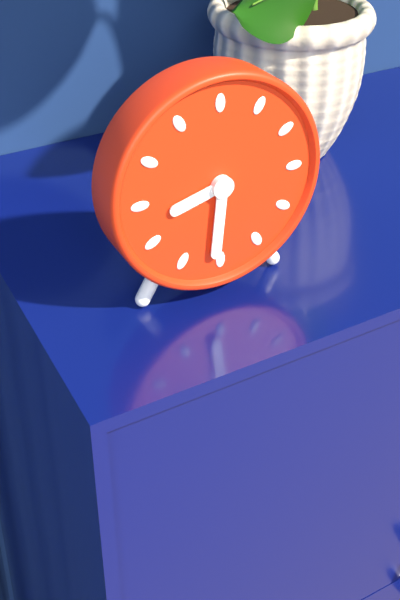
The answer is 8.31
